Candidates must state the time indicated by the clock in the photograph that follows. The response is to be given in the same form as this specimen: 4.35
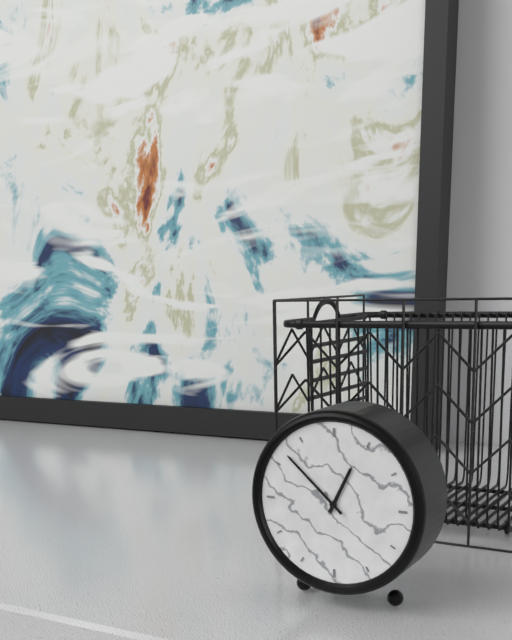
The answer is 12.52
